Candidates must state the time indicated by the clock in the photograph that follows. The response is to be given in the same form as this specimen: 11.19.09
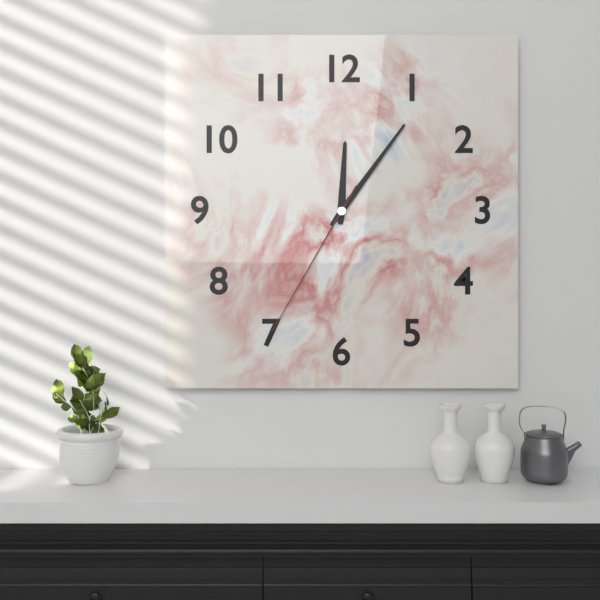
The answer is 12.06.35
